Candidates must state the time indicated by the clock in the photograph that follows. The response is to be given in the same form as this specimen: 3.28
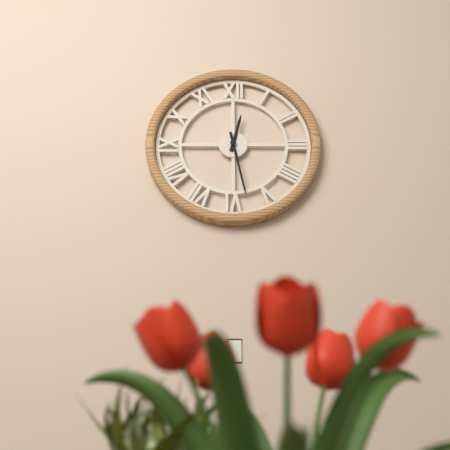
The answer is 12.28
